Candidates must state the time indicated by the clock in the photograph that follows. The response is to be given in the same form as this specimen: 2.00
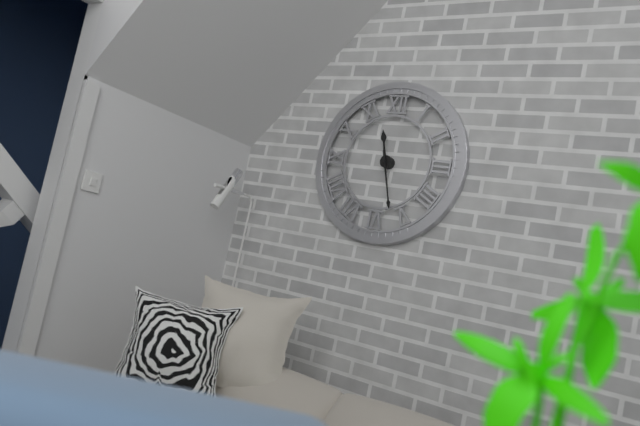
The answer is 11.27
